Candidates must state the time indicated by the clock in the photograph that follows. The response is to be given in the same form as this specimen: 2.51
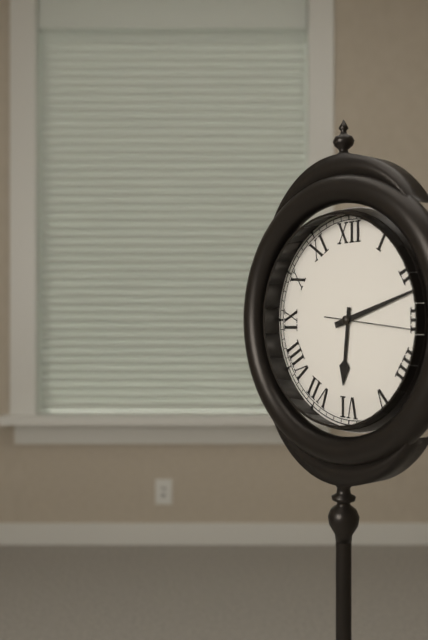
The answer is 6.12
